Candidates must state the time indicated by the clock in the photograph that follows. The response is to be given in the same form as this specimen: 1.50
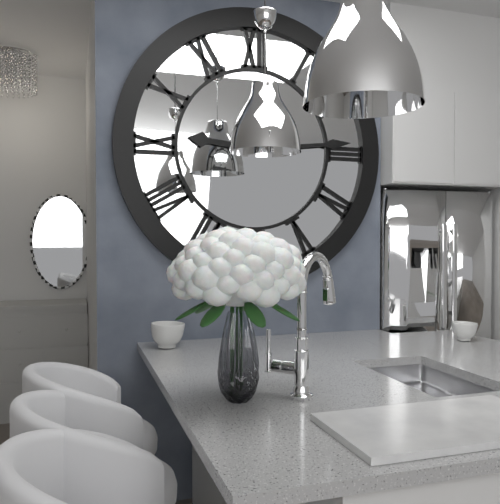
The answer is 9.14
